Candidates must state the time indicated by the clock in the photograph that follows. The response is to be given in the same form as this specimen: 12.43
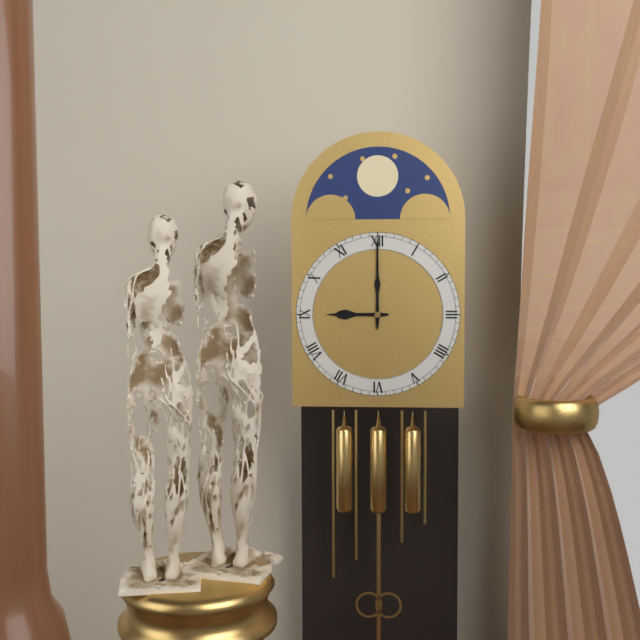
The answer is 9.00
